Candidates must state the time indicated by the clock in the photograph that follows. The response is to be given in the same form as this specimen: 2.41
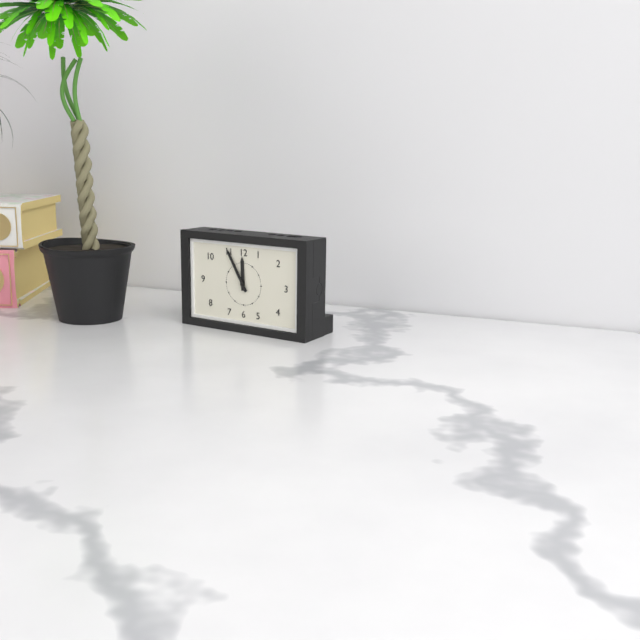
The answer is 11.55
